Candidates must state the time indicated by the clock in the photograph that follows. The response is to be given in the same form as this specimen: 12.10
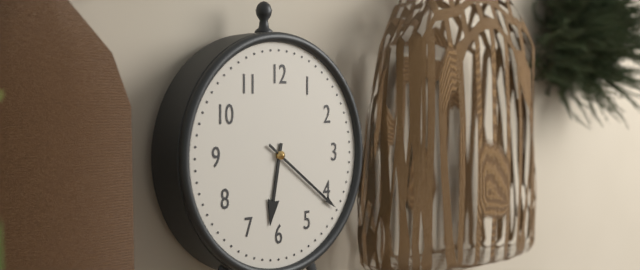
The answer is 6.21
